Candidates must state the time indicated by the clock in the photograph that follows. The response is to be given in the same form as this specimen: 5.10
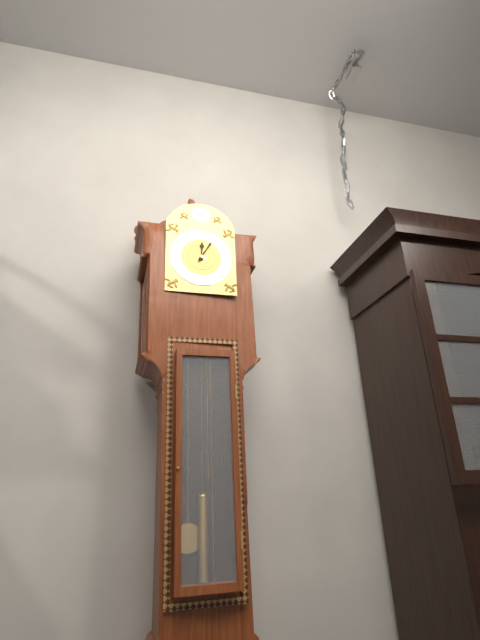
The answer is 12.05
